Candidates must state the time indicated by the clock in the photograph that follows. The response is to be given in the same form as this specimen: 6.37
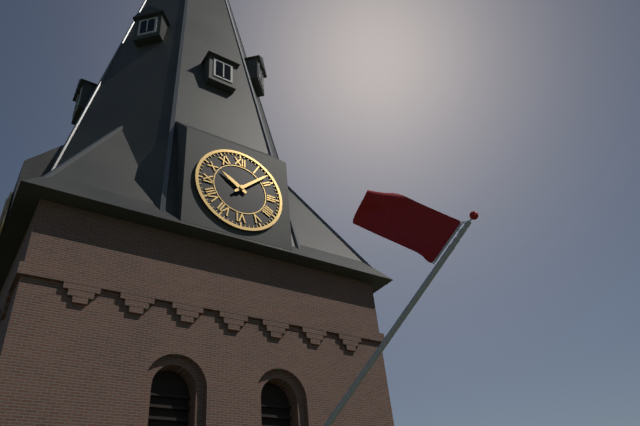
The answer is 10.08
